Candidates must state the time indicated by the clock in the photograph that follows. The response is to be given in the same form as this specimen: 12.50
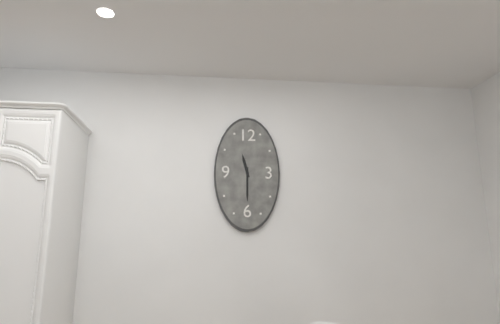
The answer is 11.30
